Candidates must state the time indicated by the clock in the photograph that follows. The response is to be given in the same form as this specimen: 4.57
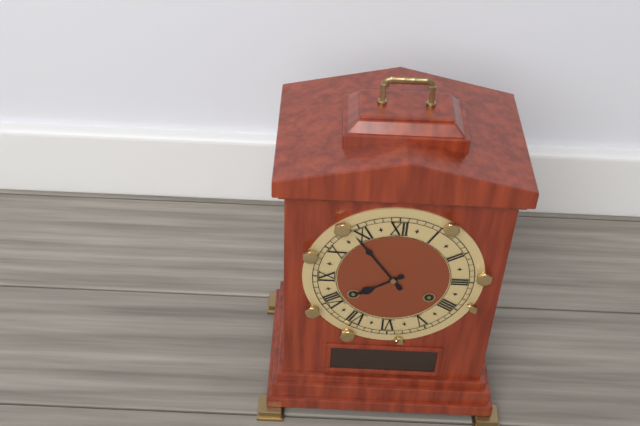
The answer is 7.54
